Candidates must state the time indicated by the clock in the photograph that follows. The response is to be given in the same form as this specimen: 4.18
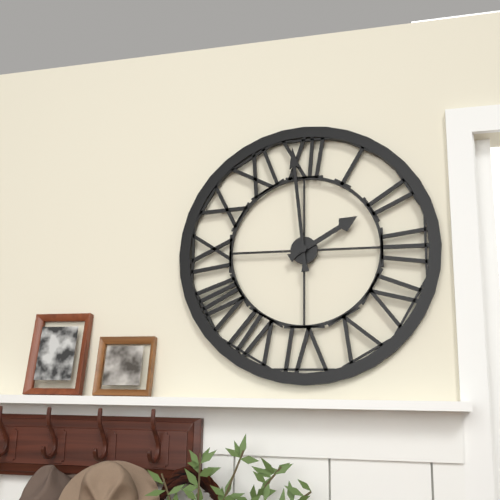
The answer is 1.59
